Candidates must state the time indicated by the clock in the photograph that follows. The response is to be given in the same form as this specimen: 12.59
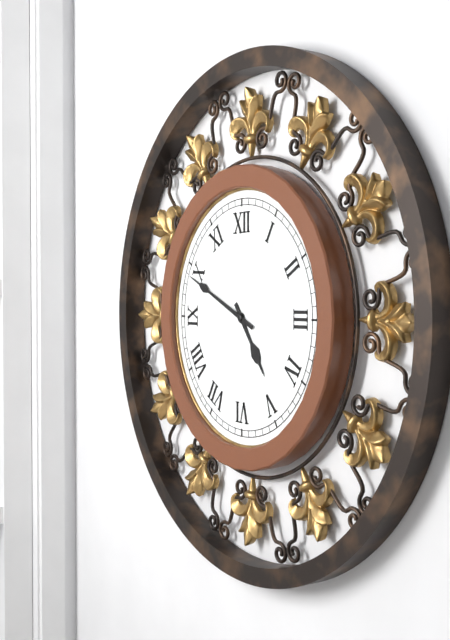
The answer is 4.49
